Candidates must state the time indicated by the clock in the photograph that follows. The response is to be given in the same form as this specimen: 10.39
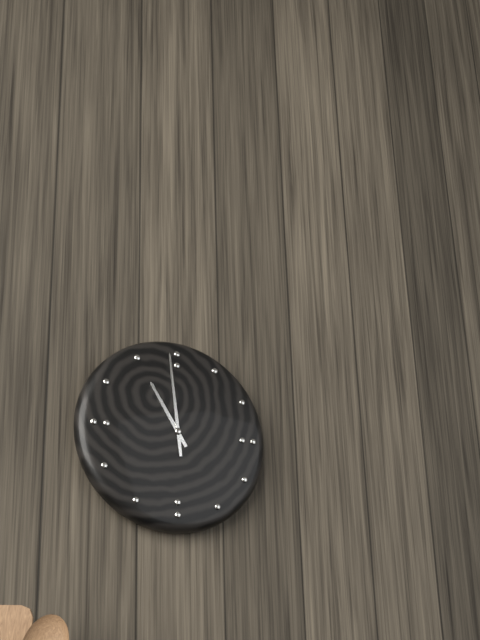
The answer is 10.59
